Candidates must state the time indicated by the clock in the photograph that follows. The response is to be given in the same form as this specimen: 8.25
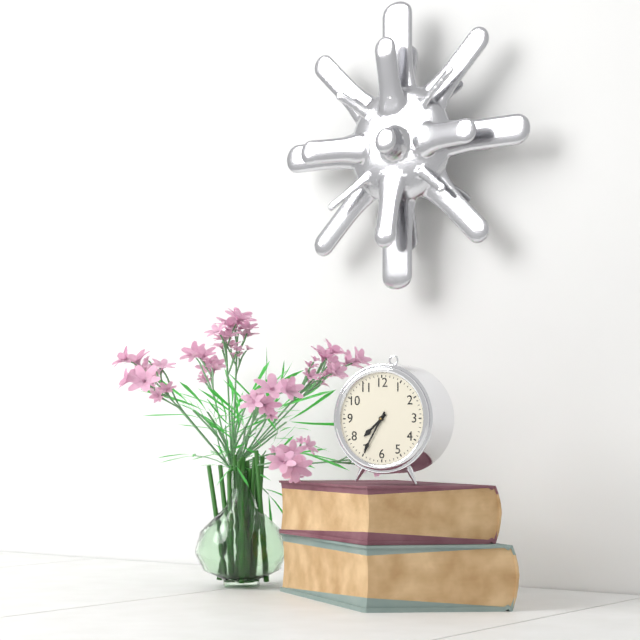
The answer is 7.35
